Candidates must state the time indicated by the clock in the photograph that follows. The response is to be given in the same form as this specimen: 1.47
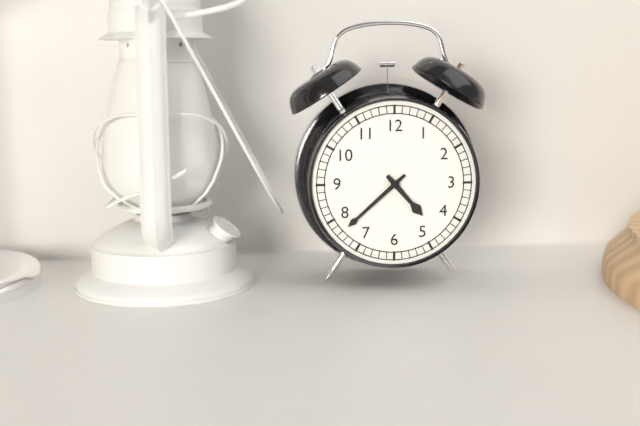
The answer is 4.38
